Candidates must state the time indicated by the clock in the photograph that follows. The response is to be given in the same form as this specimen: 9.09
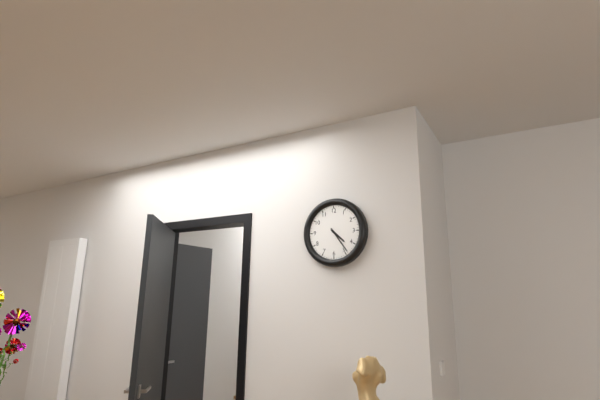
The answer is 4.24
